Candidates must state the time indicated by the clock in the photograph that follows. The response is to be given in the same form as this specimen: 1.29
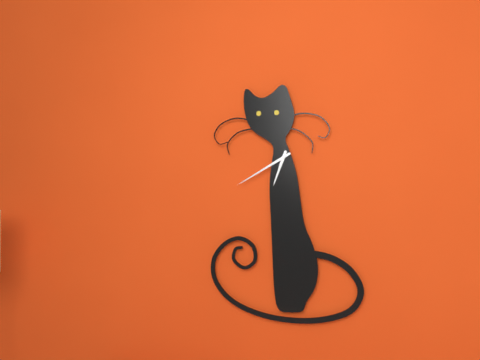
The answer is 6.40
